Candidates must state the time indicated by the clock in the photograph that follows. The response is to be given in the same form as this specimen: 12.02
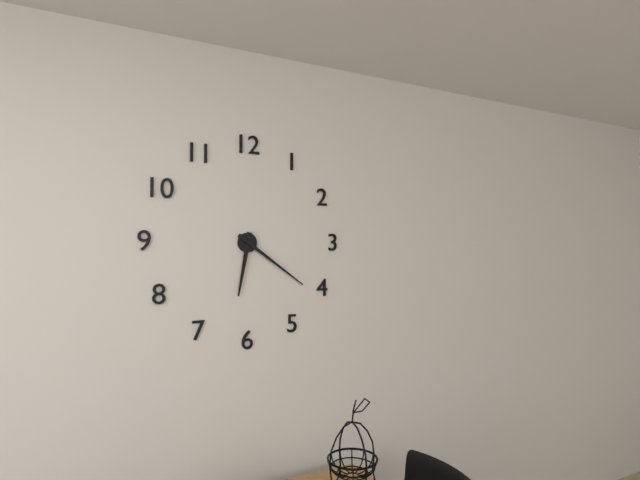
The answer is 6.21
